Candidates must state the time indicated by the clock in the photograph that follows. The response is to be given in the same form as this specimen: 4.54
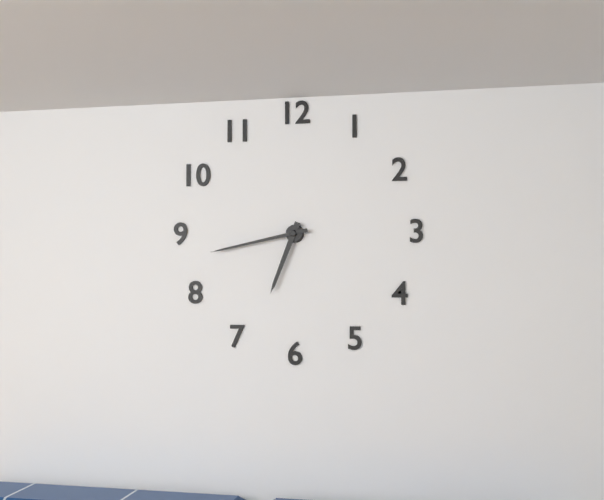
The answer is 6.43
